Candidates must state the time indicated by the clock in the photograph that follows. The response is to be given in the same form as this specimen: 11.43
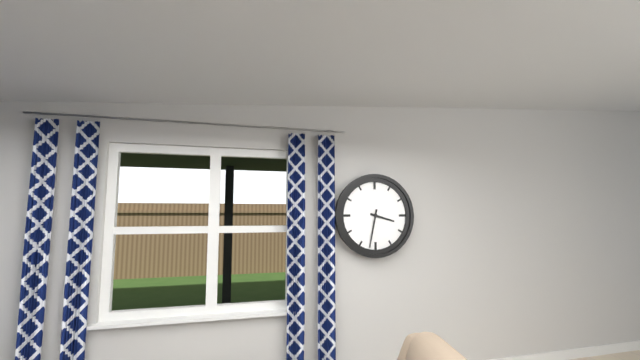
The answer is 3.32
